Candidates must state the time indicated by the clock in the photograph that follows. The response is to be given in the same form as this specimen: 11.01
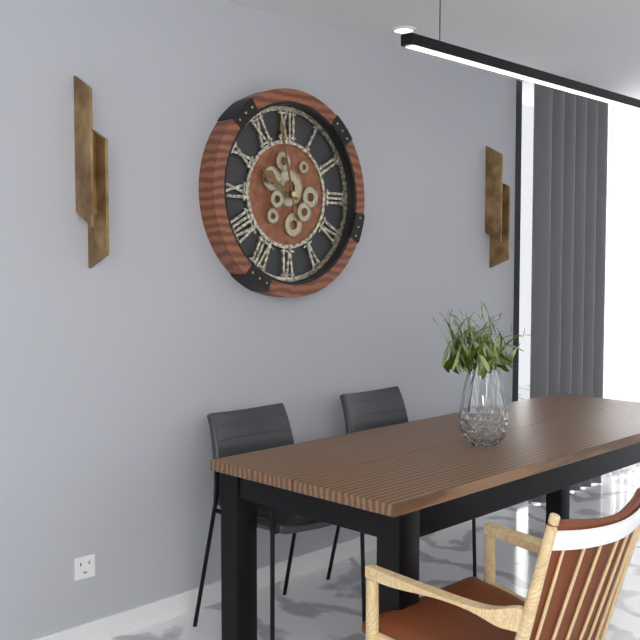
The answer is 9.58
